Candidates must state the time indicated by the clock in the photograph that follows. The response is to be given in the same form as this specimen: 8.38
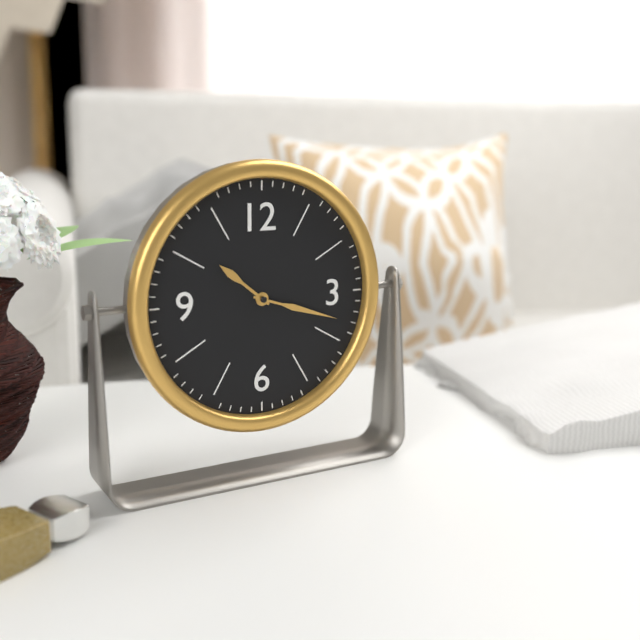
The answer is 10.18
